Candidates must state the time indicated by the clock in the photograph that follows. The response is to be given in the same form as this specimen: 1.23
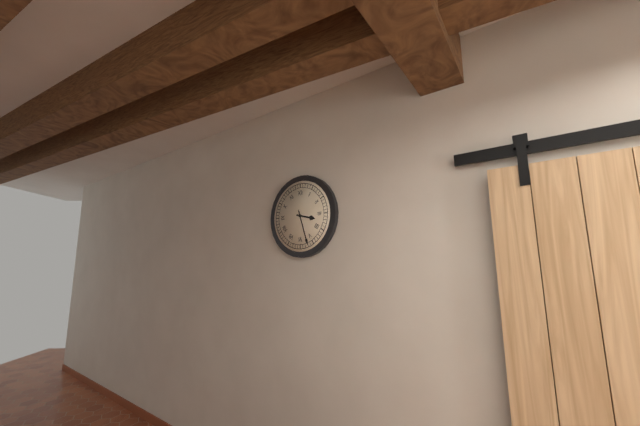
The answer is 3.27
